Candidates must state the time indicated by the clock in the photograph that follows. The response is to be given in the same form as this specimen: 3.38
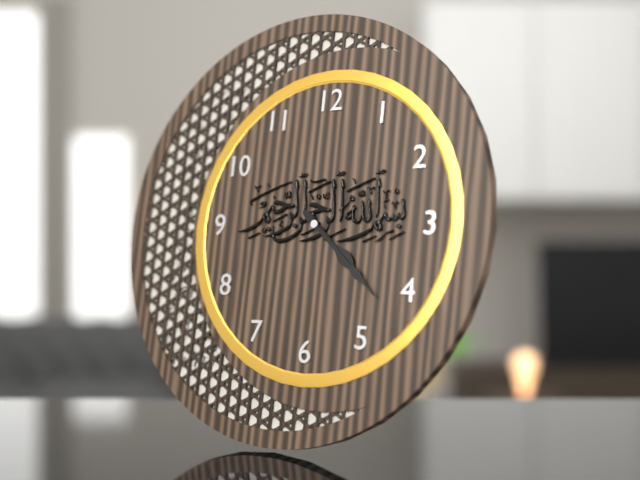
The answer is 4.22
